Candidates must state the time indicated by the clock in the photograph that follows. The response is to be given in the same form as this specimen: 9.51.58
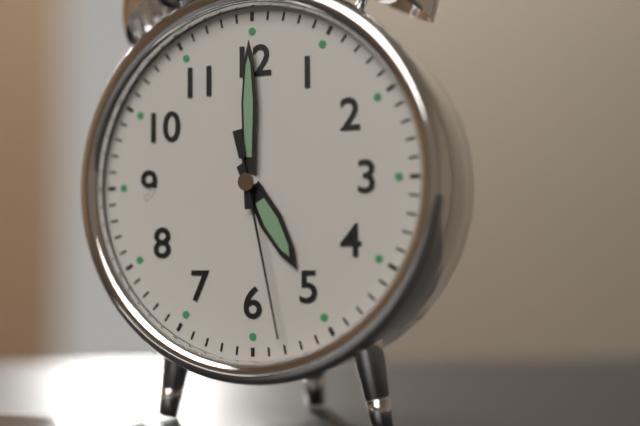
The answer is 5.00.28
